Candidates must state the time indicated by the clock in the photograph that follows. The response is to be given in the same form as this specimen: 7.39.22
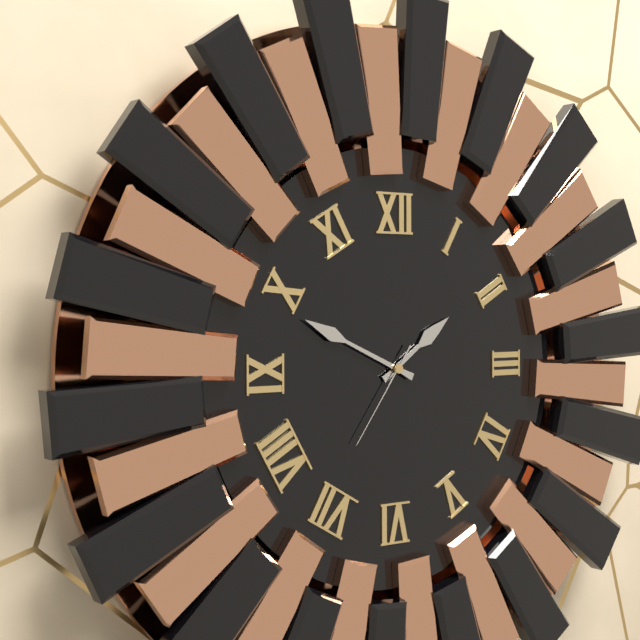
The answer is 1.49.36
